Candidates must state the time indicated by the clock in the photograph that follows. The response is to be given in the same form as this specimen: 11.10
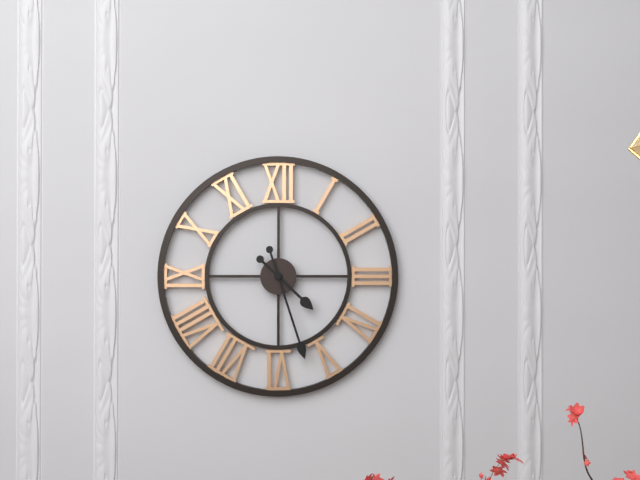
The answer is 4.27
